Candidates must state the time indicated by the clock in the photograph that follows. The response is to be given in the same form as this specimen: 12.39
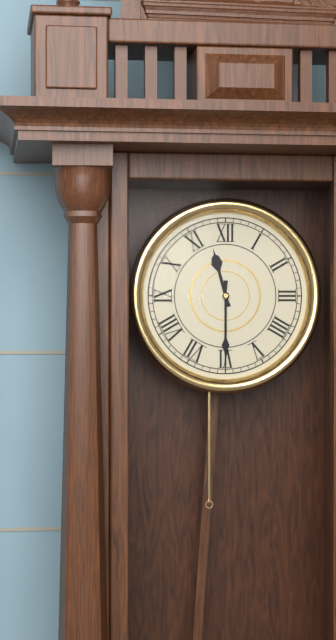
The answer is 11.30
